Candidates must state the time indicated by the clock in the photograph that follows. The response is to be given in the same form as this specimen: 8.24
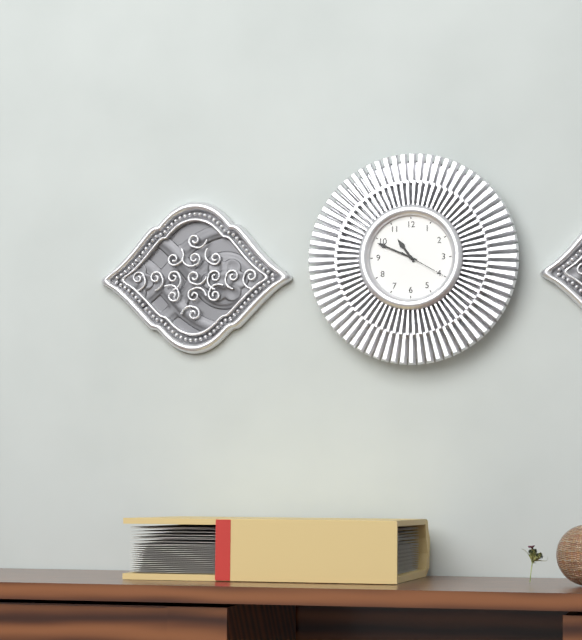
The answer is 10.49
